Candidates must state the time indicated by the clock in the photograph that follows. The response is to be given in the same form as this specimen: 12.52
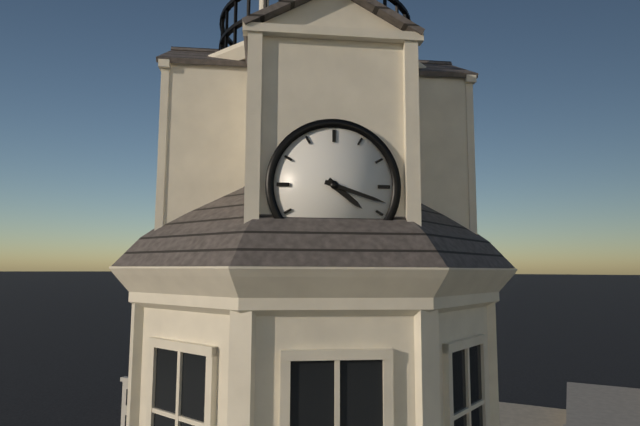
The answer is 4.18
